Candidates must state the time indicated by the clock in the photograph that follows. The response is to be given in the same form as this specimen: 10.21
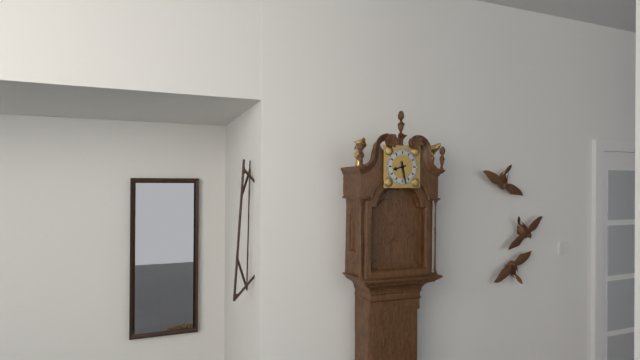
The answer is 8.28
